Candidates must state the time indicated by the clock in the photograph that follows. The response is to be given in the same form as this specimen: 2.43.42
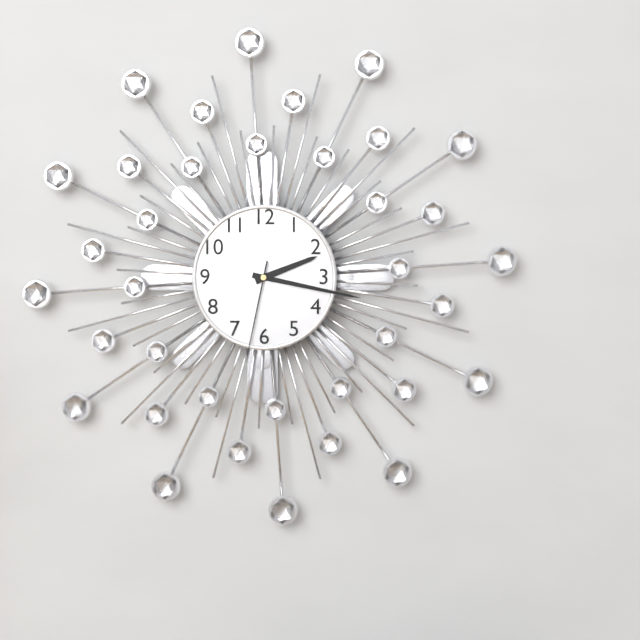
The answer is 2.17.32
